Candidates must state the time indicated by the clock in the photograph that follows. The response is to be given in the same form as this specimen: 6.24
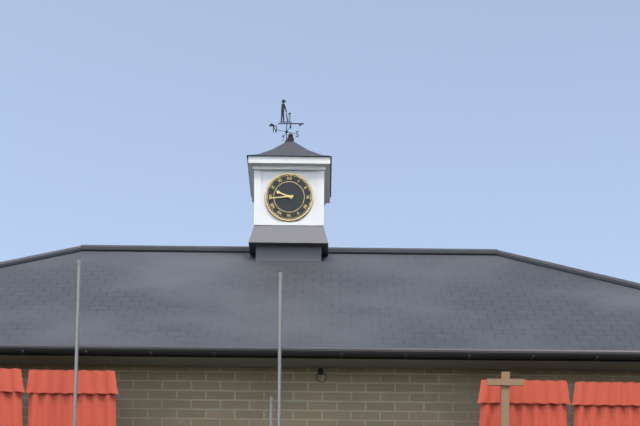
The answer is 9.44
